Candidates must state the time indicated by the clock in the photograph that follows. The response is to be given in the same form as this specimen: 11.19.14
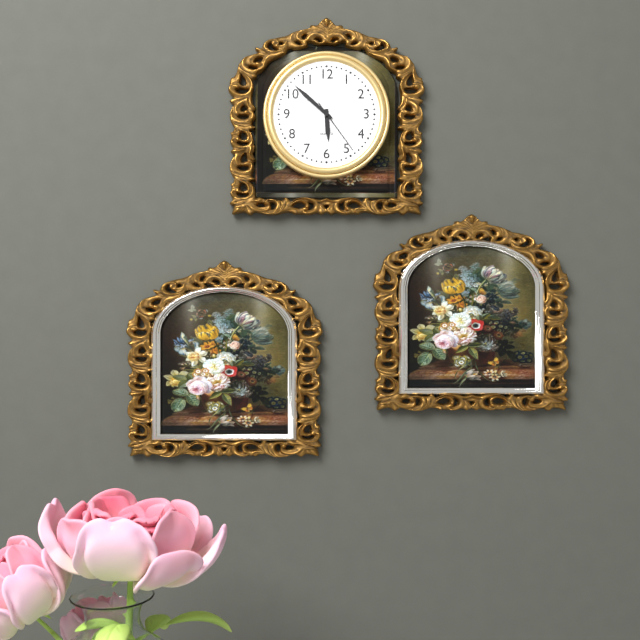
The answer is 5.52.24
